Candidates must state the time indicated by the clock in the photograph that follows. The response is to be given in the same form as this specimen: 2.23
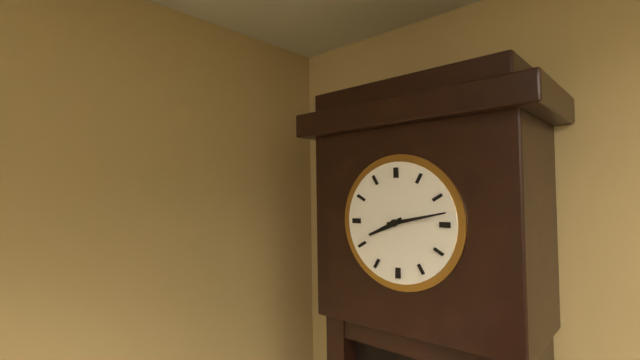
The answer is 8.13
